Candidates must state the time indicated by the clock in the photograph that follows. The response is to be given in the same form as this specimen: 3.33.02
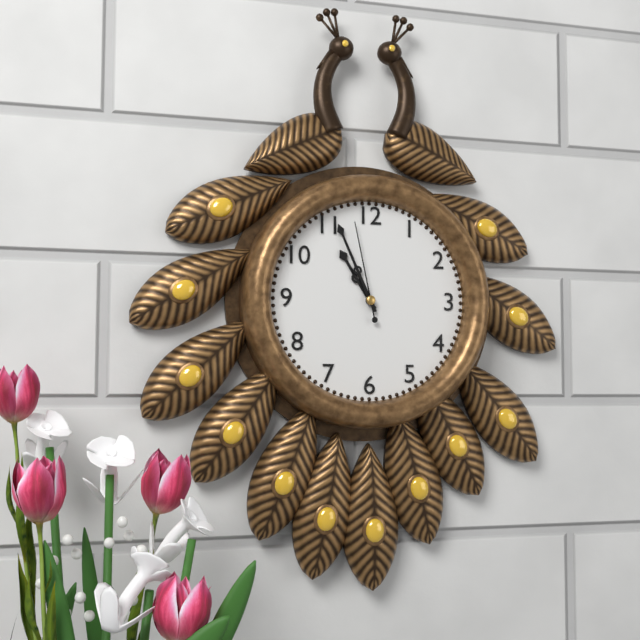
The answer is 10.56.58
